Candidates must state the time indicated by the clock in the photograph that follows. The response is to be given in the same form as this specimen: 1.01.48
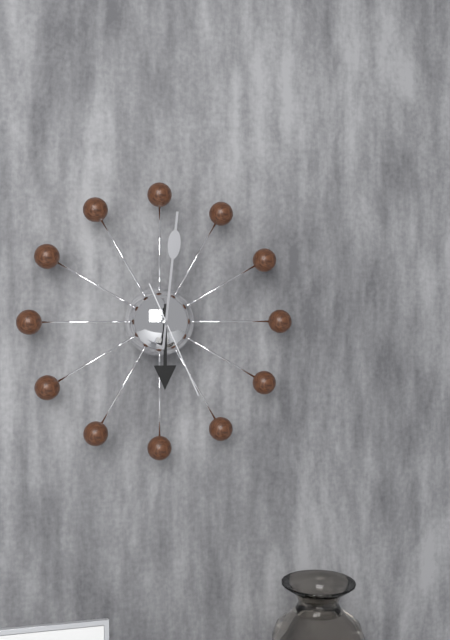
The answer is 6.01.26
